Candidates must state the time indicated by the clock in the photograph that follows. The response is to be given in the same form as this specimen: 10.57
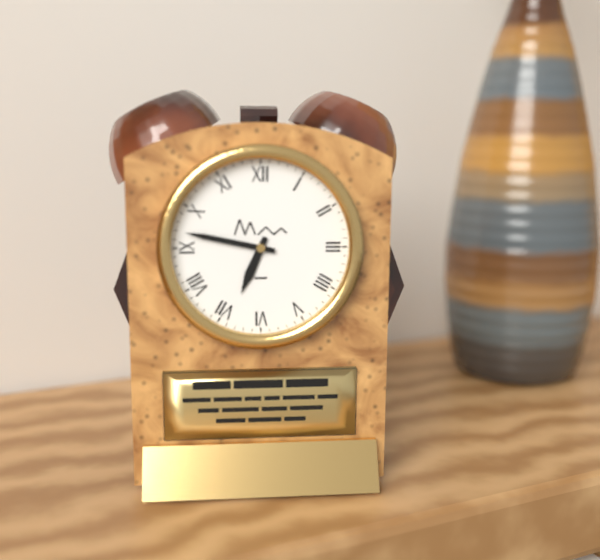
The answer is 6.47
